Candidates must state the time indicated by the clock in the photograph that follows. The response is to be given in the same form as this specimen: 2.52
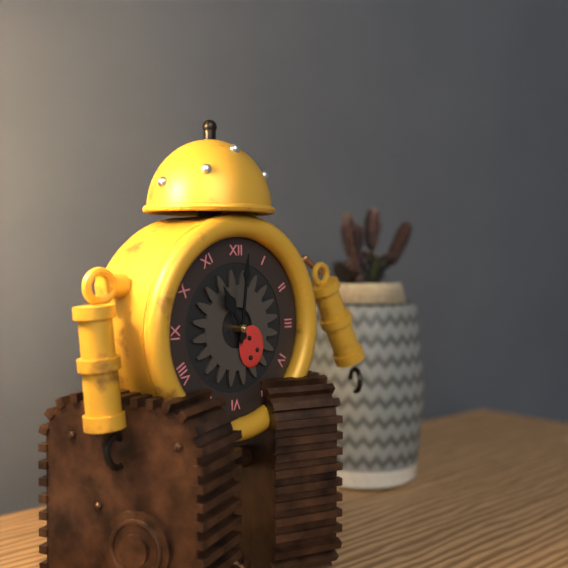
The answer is 11.01
